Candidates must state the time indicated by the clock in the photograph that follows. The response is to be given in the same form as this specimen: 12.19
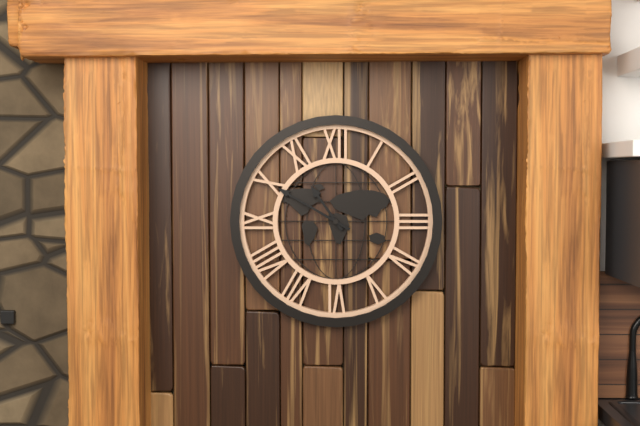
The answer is 10.50
